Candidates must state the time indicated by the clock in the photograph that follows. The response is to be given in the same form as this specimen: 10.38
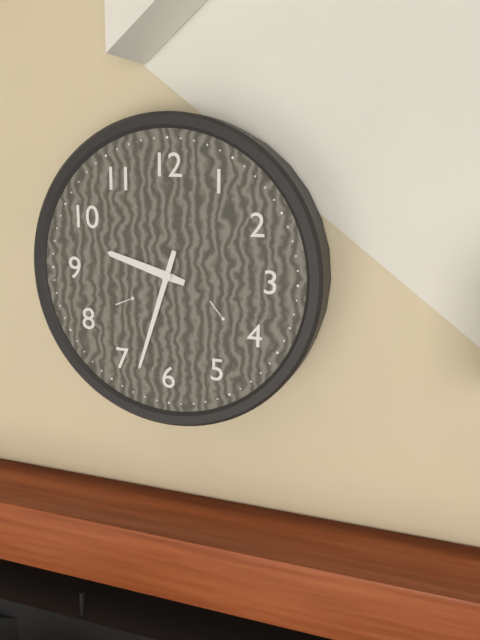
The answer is 9.33
